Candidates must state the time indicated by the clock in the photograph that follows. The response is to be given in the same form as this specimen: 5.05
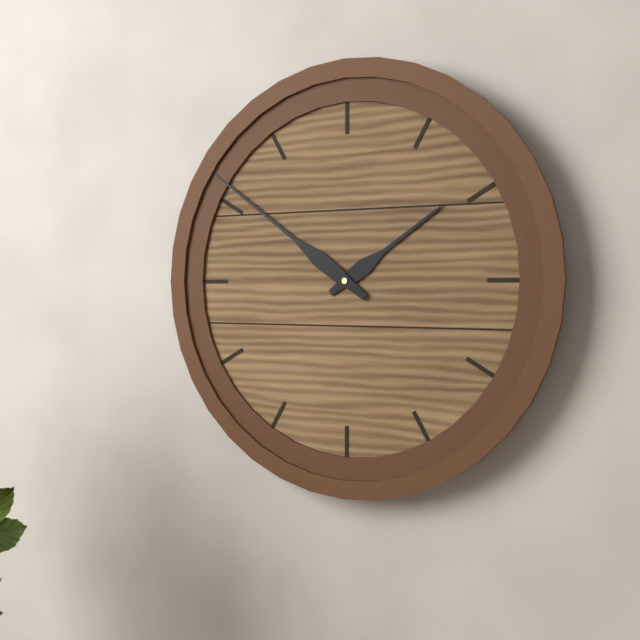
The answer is 1.51
